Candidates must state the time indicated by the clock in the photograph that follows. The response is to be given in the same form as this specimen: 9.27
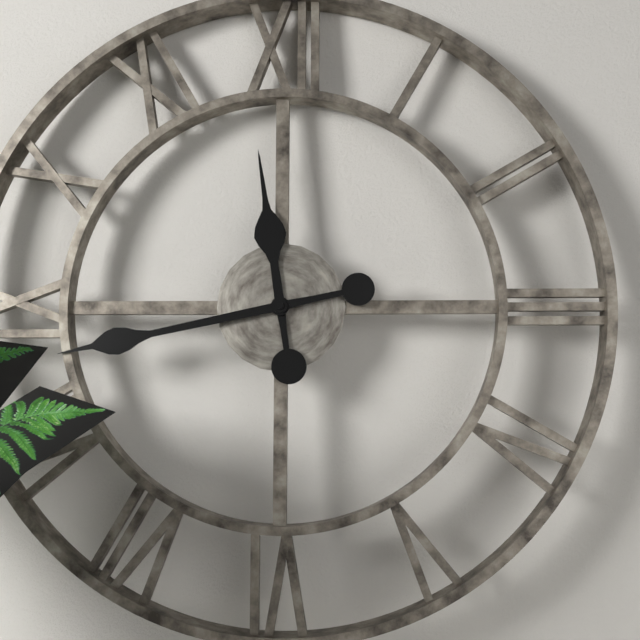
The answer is 11.43
